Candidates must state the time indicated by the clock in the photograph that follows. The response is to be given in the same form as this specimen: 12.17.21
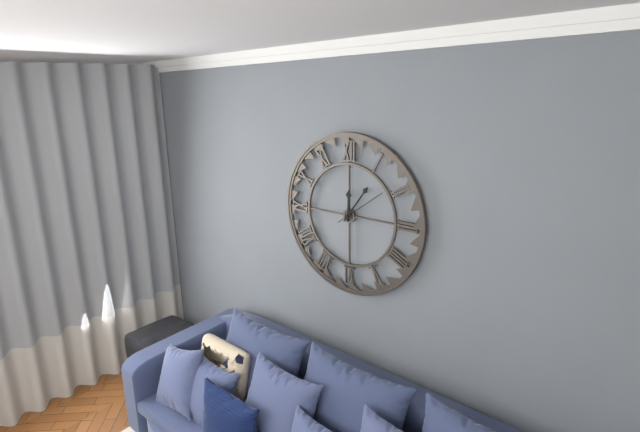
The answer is 12.06.09
